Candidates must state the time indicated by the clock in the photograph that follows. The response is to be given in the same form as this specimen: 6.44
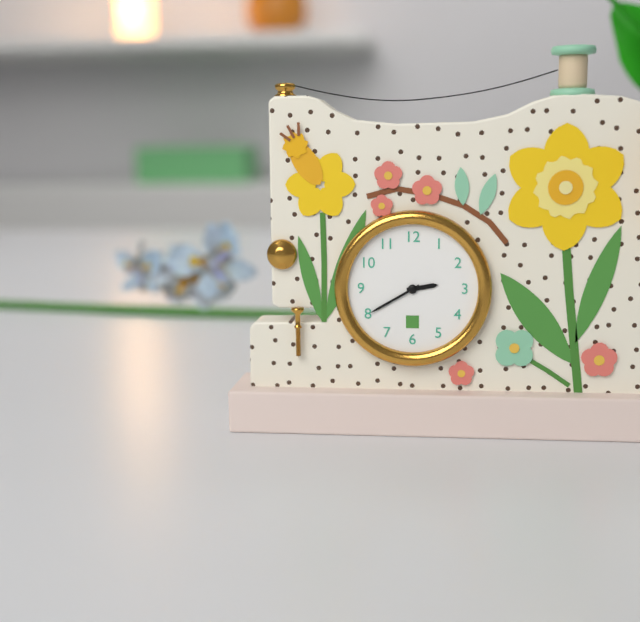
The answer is 2.40
